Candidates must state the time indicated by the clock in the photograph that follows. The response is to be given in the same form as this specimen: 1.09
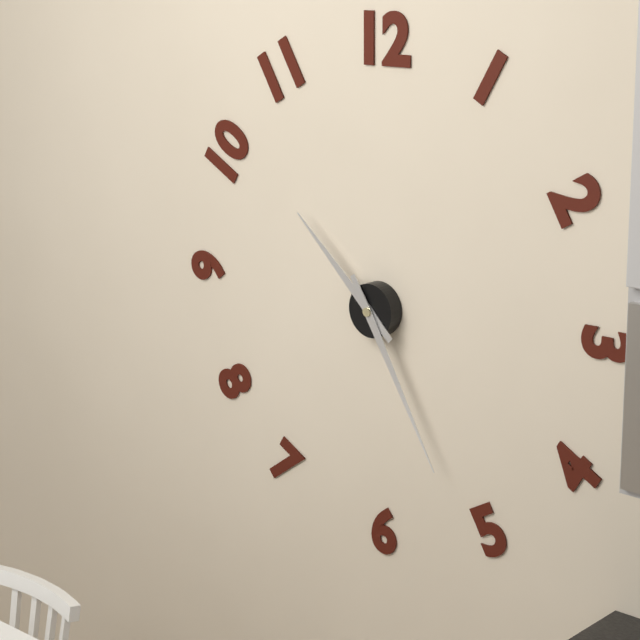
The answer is 10.25
